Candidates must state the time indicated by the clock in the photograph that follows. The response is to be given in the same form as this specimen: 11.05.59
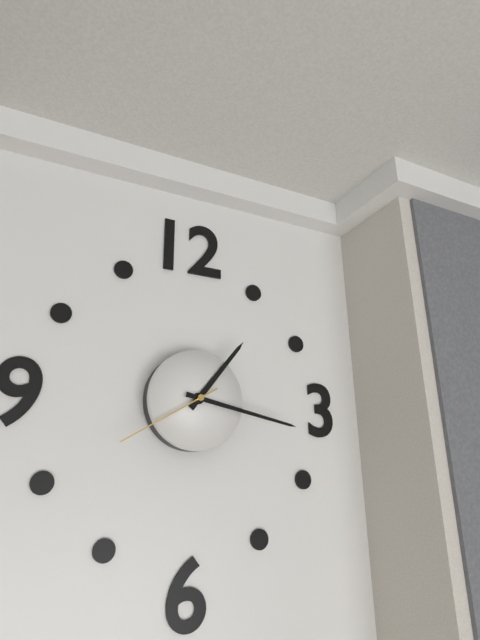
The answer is 1.17.40
